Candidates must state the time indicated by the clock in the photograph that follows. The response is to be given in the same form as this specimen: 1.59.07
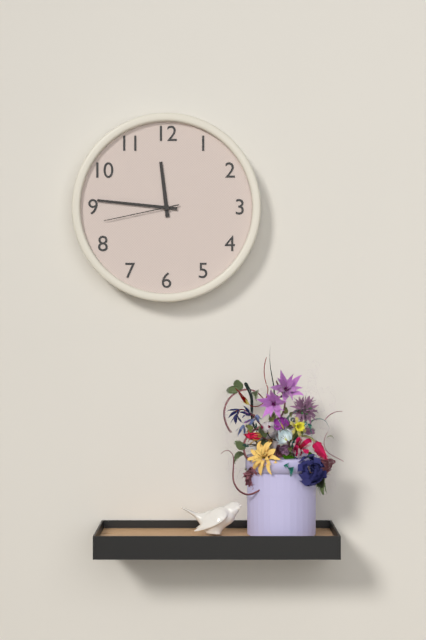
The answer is 11.46.43
